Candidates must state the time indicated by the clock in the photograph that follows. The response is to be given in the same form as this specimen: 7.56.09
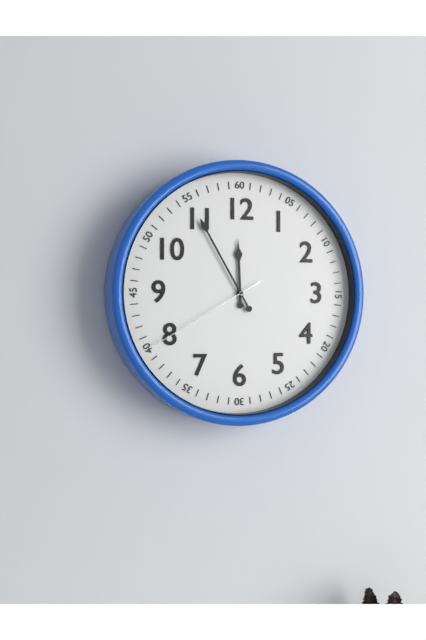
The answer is 11.55.40
